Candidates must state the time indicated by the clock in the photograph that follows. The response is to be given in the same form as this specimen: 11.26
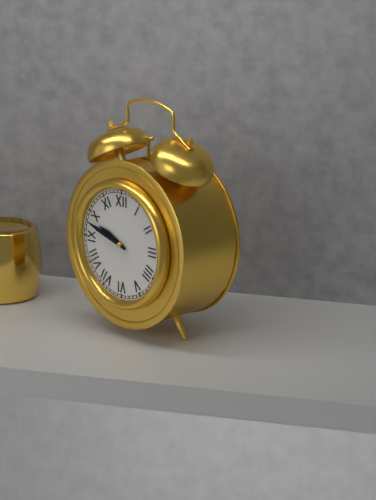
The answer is 9.48
